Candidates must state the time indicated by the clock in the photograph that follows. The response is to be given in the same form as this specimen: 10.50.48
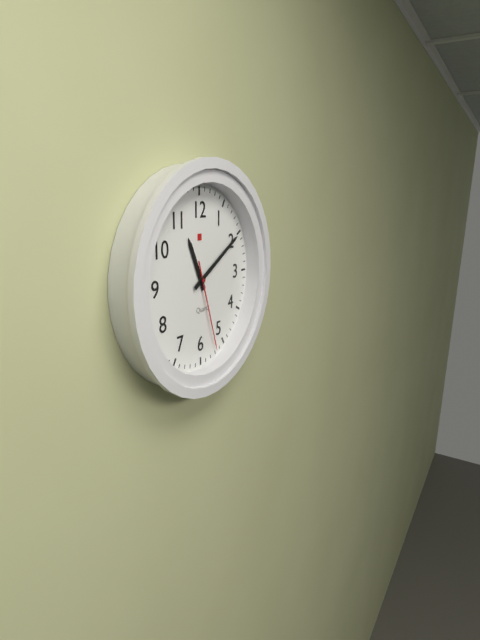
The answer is 11.10.27
